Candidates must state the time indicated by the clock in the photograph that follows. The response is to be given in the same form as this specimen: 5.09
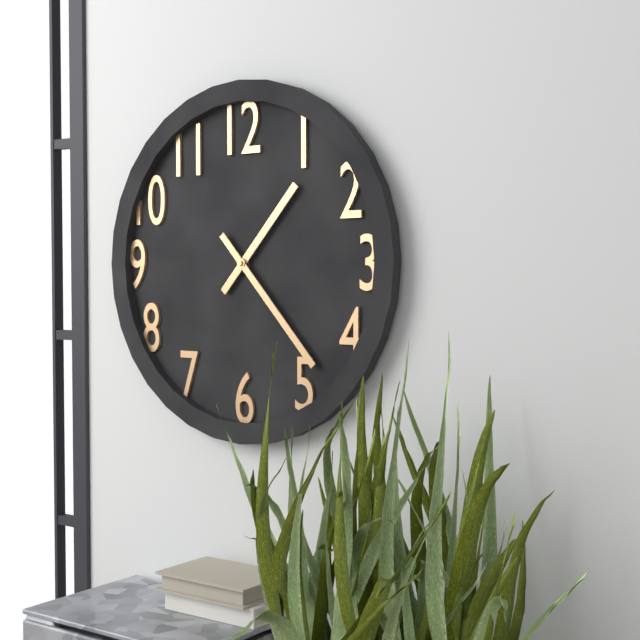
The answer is 1.23
